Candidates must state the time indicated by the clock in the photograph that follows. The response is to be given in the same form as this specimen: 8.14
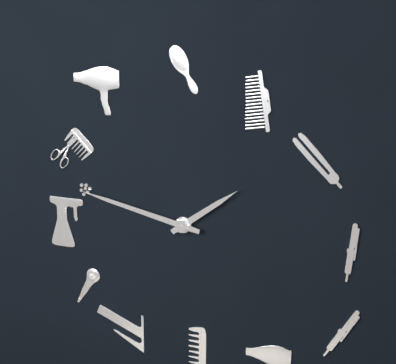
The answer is 1.47
